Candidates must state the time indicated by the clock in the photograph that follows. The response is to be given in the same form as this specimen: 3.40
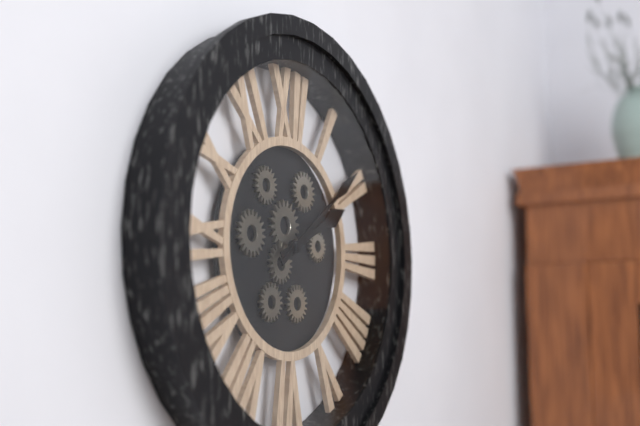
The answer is 2.09
